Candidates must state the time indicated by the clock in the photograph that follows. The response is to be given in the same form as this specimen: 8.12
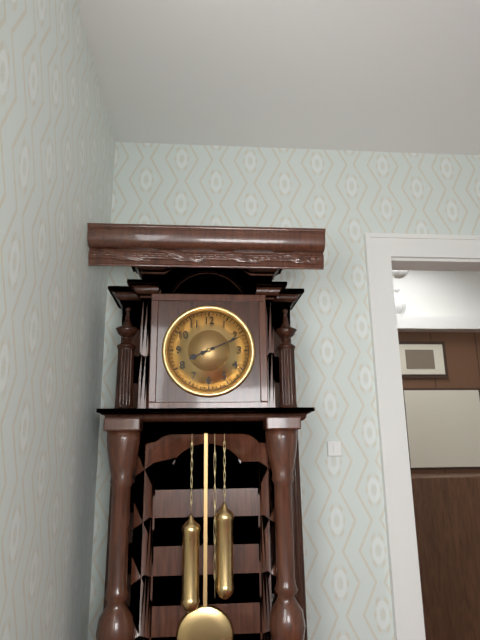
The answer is 8.11
